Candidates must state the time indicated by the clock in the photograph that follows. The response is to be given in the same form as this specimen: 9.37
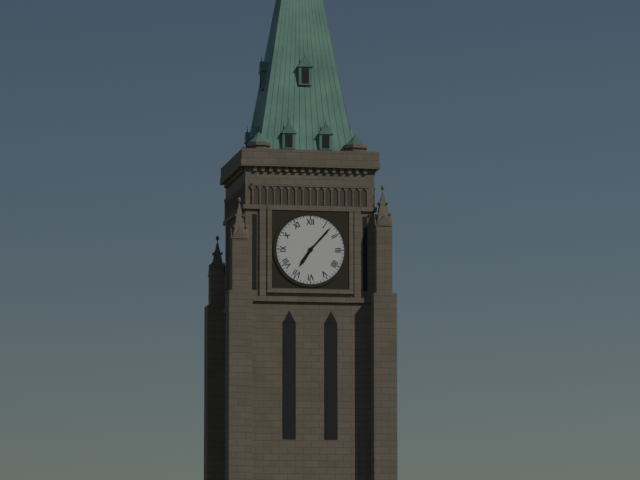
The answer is 7.07
